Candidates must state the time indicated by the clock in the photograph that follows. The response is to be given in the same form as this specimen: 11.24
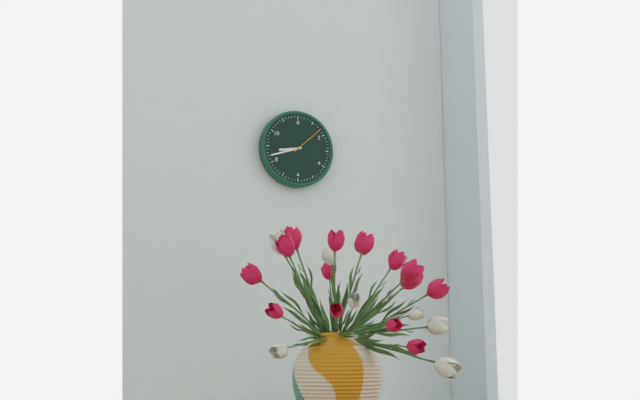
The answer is 8.42
